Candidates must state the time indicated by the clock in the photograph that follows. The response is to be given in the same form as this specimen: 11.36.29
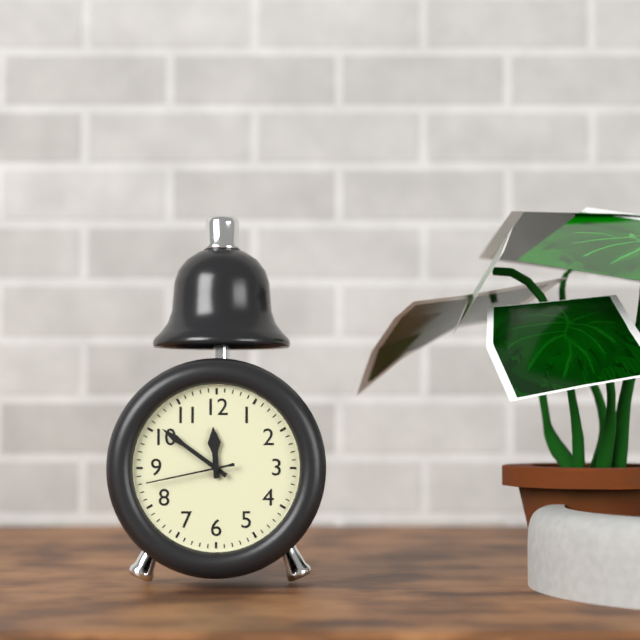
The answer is 11.51.43
